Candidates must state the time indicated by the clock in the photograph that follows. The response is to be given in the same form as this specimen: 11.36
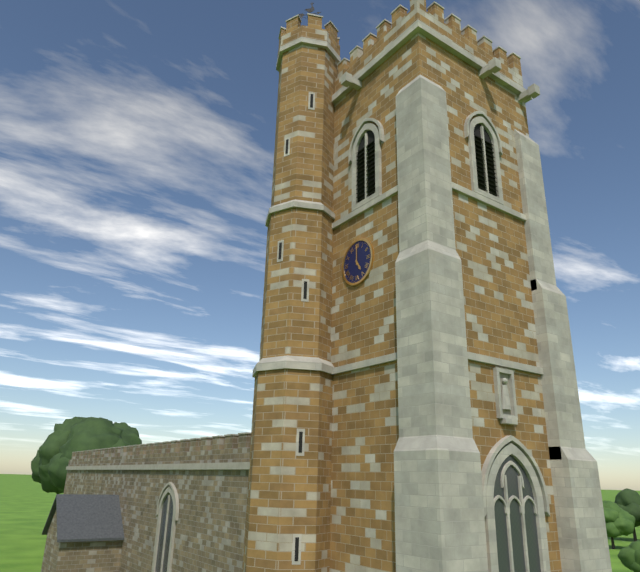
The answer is 5.00
